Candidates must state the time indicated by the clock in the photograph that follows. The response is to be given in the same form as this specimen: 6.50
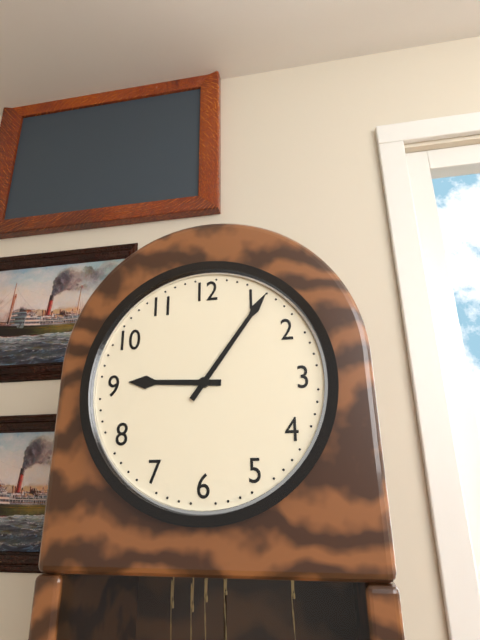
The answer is 9.06
